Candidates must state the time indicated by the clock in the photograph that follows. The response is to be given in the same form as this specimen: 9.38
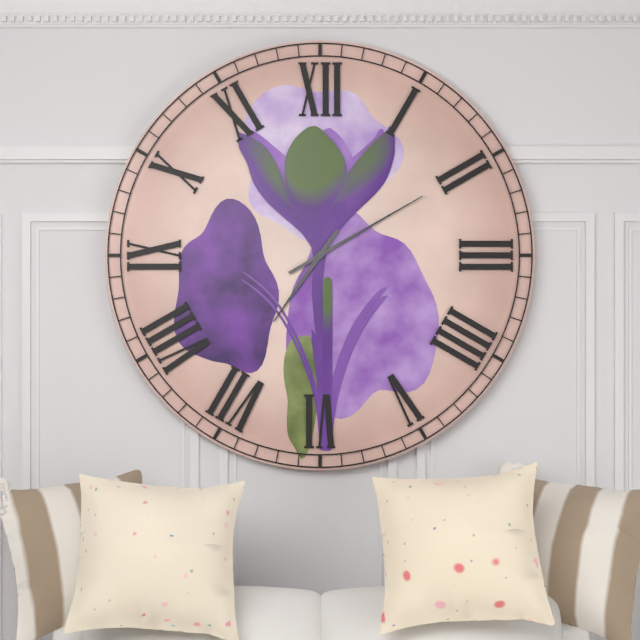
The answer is 7.10
